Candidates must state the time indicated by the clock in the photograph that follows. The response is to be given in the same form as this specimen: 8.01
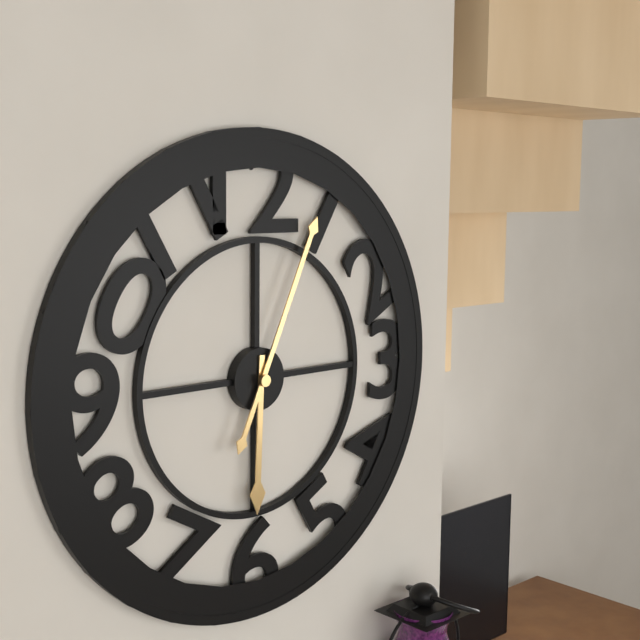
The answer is 6.04
